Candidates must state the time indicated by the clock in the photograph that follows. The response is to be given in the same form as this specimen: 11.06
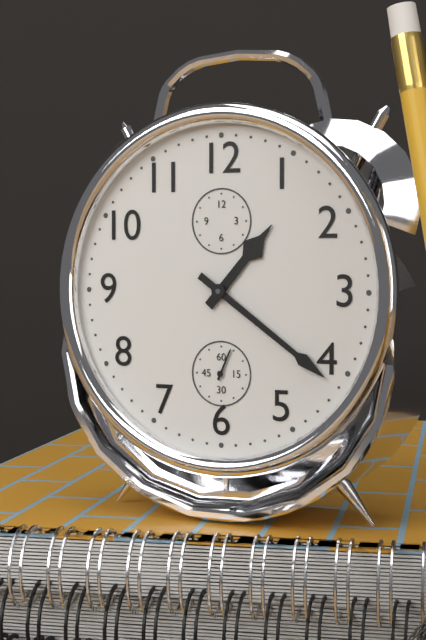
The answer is 1.21
